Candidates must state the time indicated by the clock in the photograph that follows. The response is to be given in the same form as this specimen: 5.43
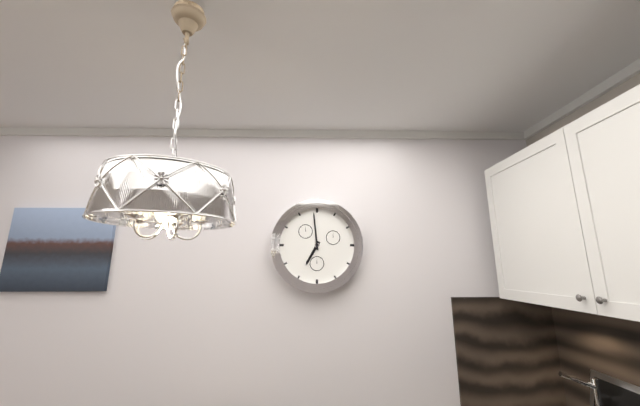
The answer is 6.59
